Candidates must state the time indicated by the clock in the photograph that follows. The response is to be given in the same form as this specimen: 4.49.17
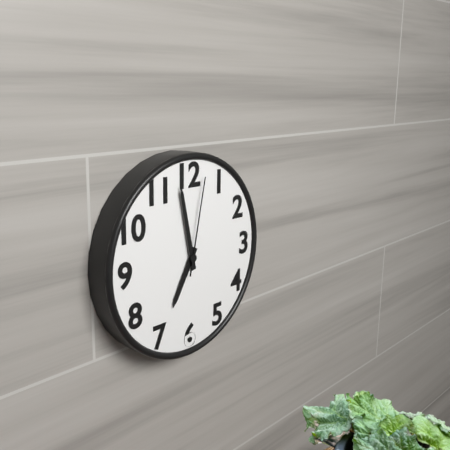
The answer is 6.58.02
